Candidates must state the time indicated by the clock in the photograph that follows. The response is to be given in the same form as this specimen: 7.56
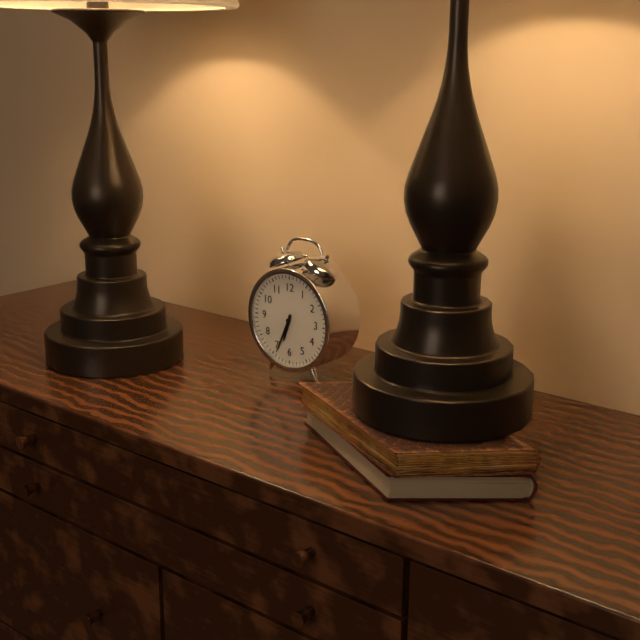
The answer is 6.34
